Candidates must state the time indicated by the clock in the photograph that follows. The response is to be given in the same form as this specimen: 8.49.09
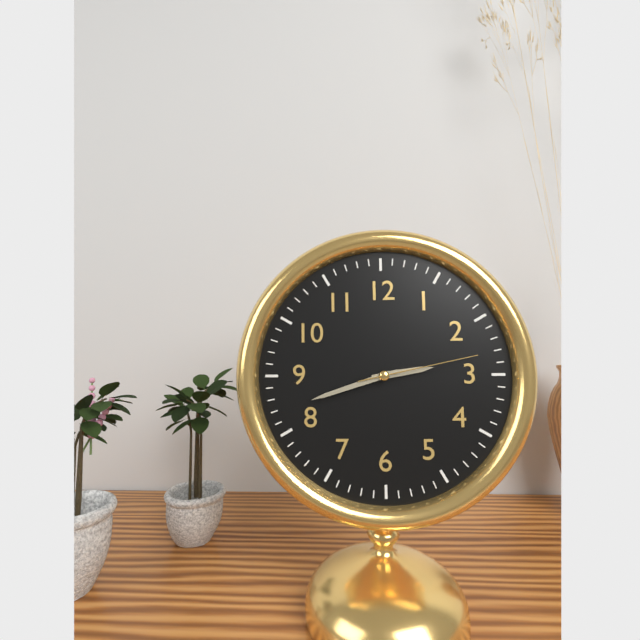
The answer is 2.42.13
